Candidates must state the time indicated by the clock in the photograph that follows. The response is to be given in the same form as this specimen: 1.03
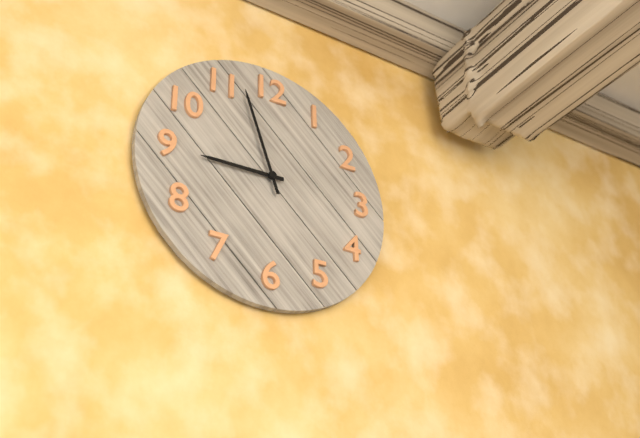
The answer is 8.57
